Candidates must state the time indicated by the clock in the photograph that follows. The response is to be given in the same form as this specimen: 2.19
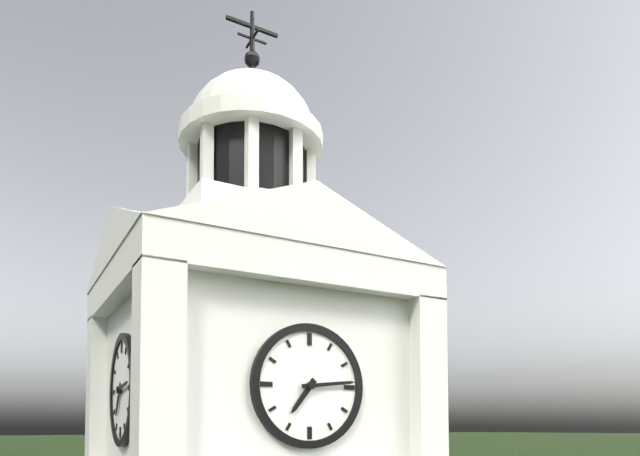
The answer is 7.14
